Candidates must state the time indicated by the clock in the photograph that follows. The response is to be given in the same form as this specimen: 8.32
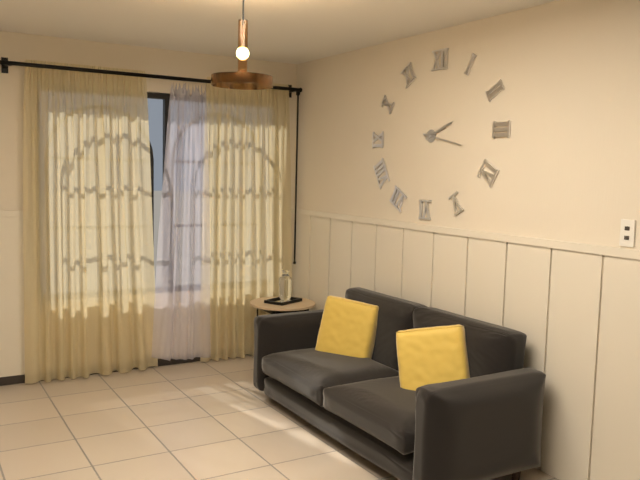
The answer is 2.17
